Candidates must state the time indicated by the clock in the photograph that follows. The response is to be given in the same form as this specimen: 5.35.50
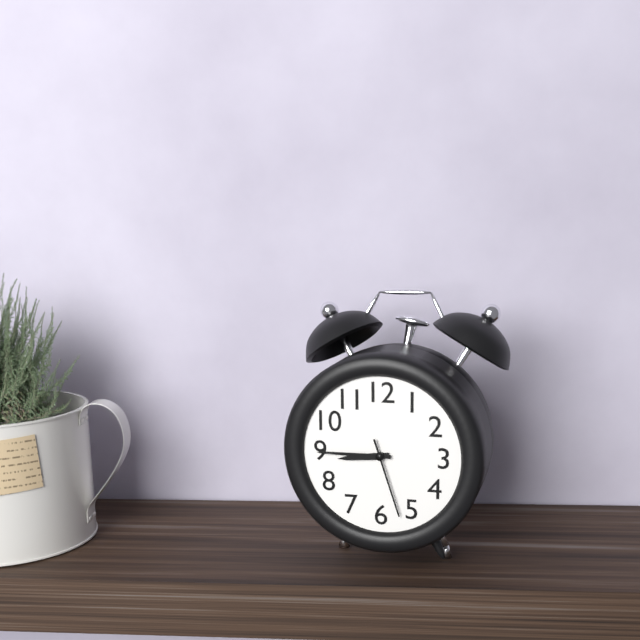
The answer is 8.45.27
